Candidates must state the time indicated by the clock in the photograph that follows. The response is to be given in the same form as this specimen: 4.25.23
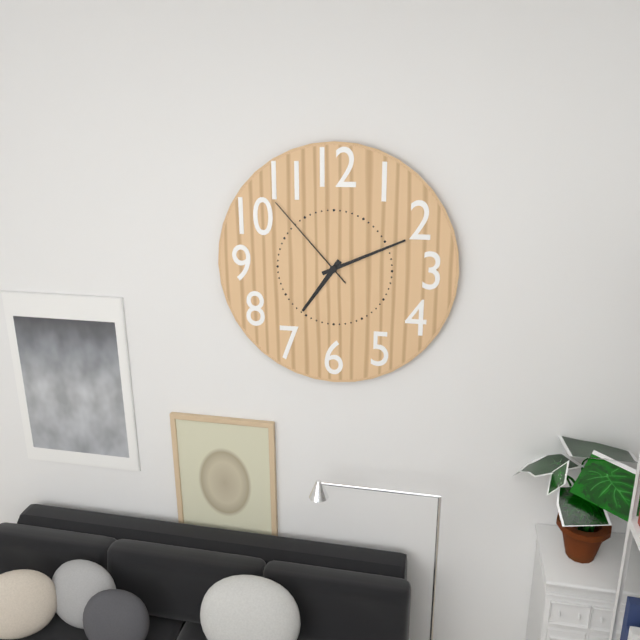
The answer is 7.11.53
